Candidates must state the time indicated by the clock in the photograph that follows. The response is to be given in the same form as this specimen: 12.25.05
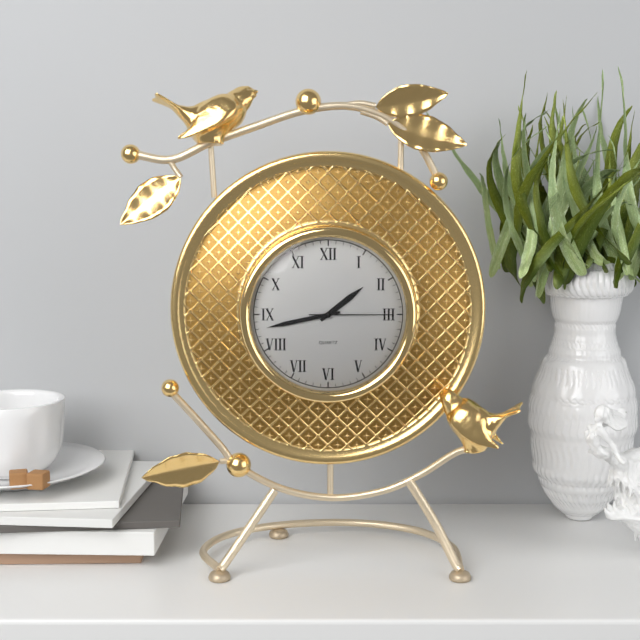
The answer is 1.43.15
